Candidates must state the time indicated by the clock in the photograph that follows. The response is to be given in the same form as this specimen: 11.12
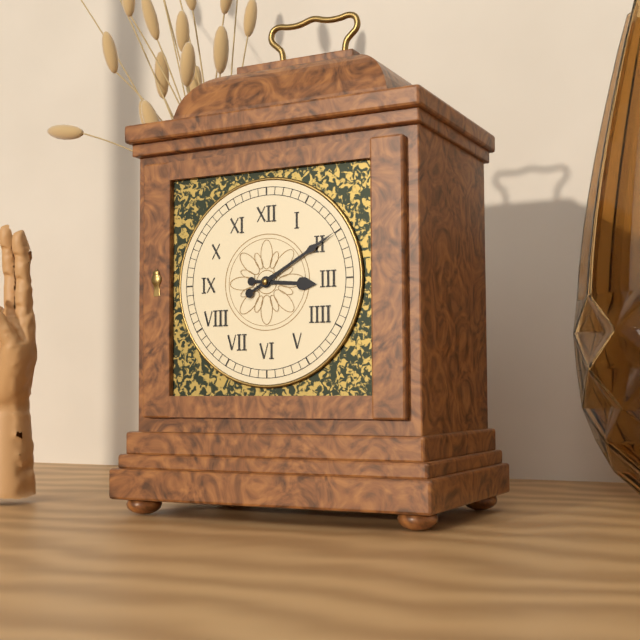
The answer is 3.10
